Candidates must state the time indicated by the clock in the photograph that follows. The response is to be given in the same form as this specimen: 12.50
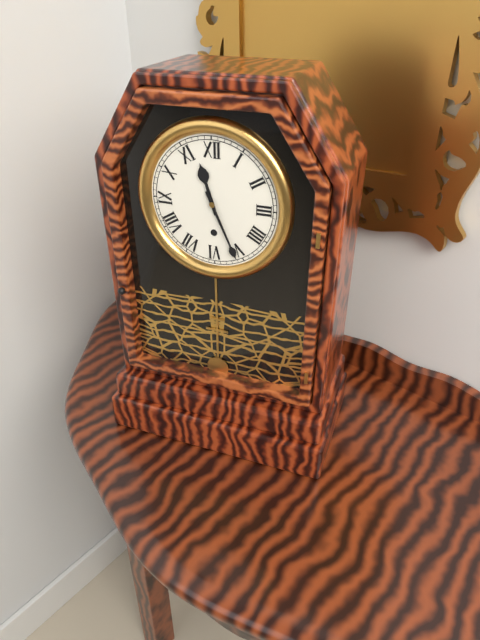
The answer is 11.26
